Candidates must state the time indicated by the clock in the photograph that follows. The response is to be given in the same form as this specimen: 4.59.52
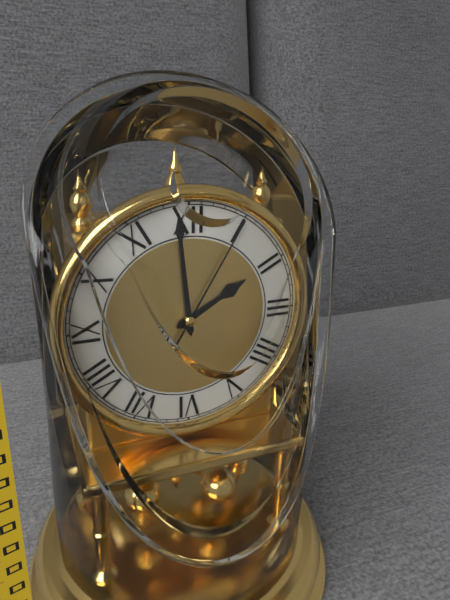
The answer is 1.59.05
